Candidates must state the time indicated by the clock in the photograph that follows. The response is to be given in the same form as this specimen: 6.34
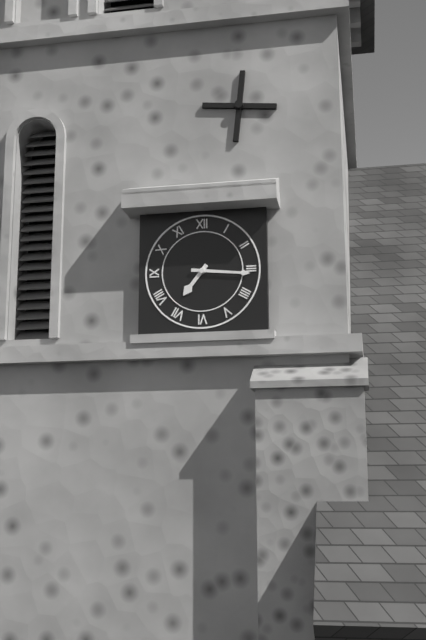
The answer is 7.16
